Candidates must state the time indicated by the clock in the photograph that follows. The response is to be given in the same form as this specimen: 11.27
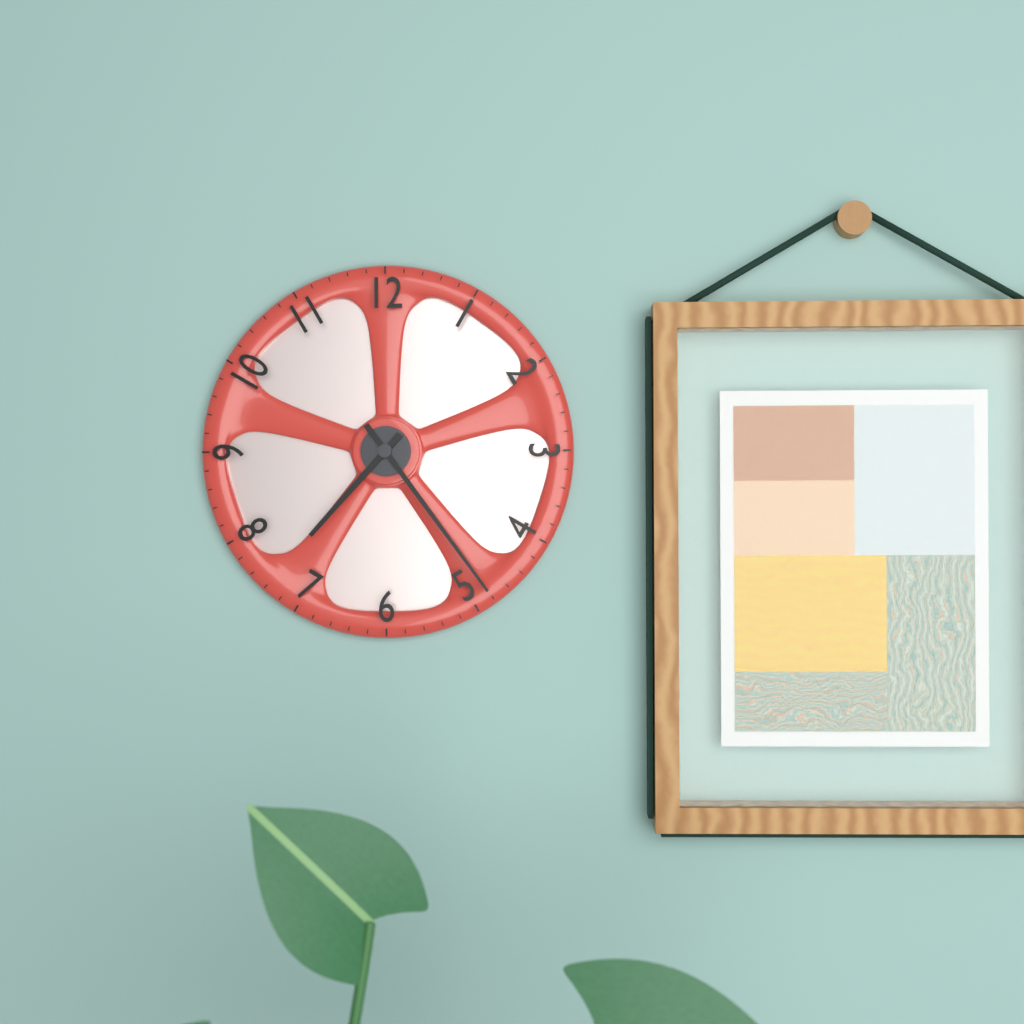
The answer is 7.24
